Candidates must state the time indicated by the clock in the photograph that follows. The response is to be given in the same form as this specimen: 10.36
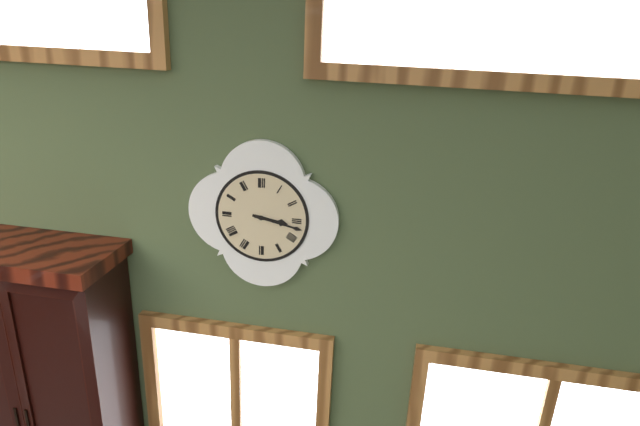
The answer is 3.17
